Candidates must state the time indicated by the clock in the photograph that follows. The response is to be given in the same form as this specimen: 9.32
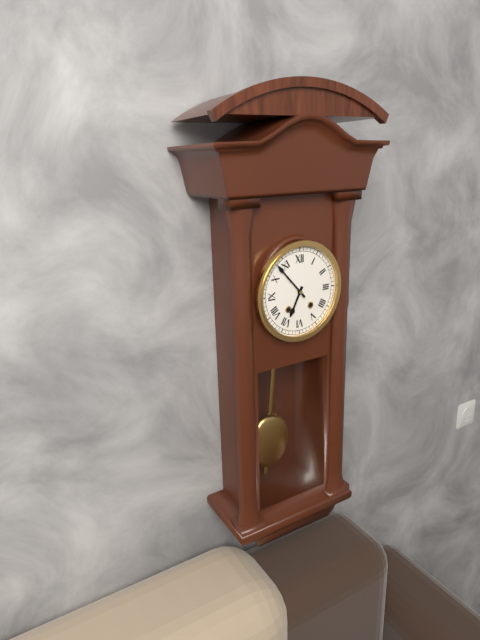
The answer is 6.53
